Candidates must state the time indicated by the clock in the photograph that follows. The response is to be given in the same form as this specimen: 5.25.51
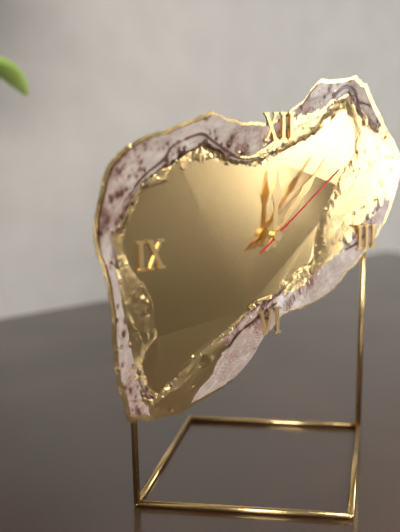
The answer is 12.07.09
